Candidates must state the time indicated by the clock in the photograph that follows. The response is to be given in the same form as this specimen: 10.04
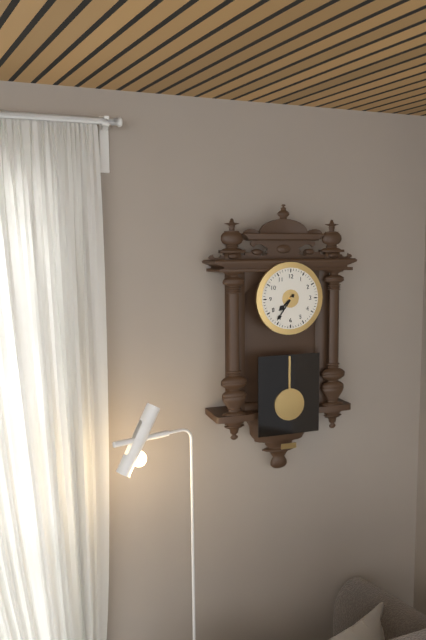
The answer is 7.36
